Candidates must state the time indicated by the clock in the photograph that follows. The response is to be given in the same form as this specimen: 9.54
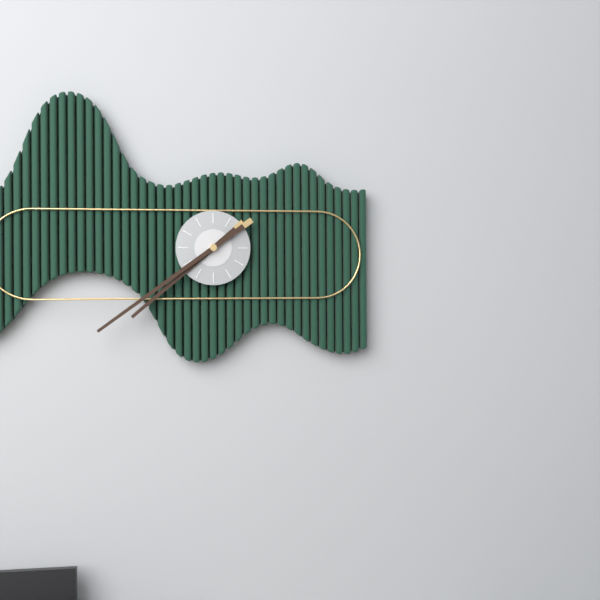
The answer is 7.39
